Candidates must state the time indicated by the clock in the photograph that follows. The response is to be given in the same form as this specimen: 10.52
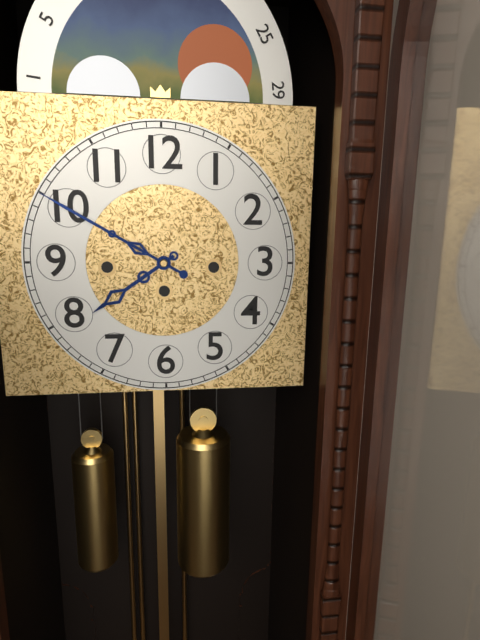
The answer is 7.50
